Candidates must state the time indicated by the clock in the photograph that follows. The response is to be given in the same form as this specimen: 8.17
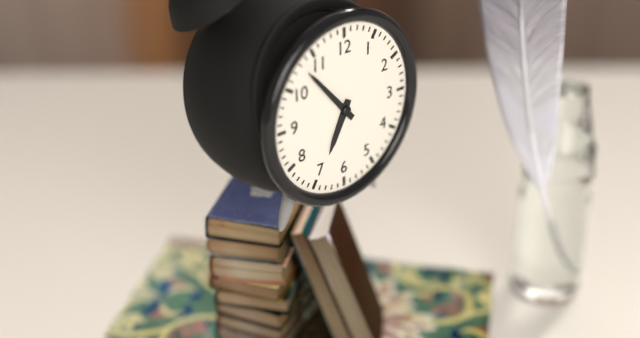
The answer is 6.53
